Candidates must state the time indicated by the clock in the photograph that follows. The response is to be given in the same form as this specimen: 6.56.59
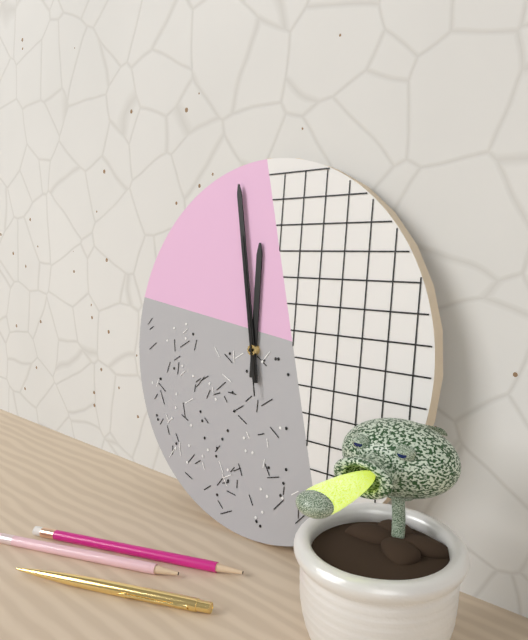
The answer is 11.58.58
